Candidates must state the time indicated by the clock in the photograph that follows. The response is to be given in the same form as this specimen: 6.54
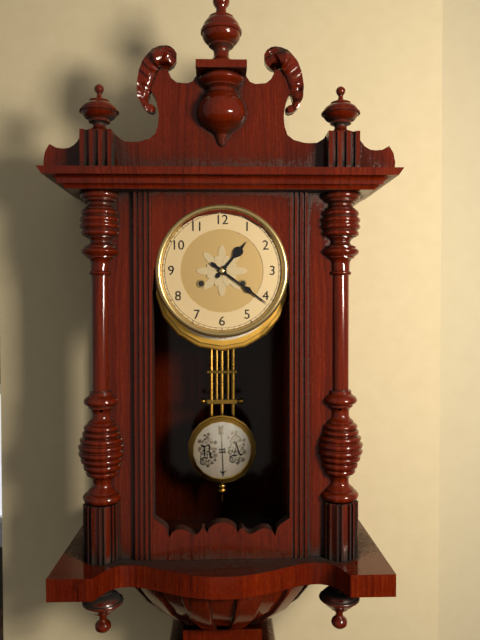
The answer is 1.21
